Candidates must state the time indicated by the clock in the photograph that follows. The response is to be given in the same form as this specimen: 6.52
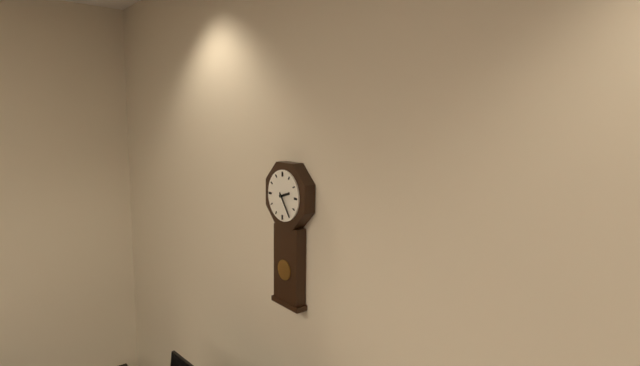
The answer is 2.24
